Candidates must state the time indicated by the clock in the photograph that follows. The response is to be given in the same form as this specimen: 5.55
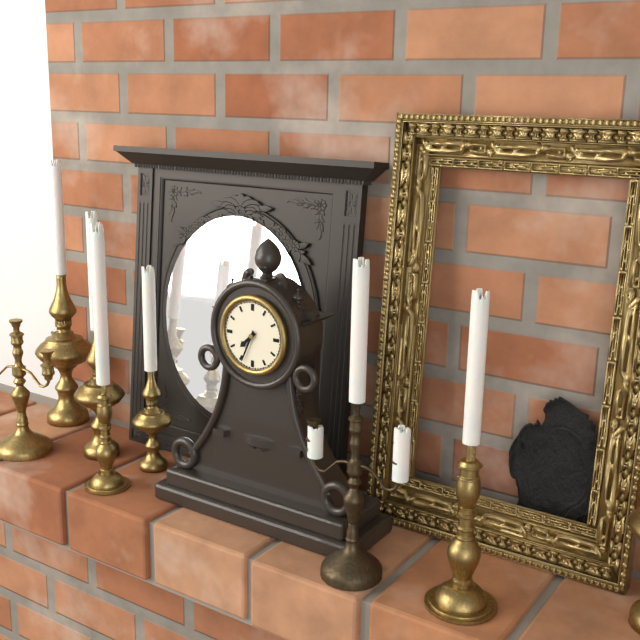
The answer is 7.34
